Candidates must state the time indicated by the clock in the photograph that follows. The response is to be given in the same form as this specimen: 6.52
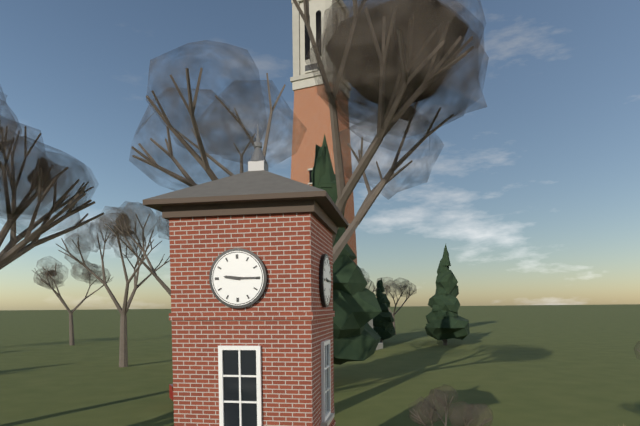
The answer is 9.15
